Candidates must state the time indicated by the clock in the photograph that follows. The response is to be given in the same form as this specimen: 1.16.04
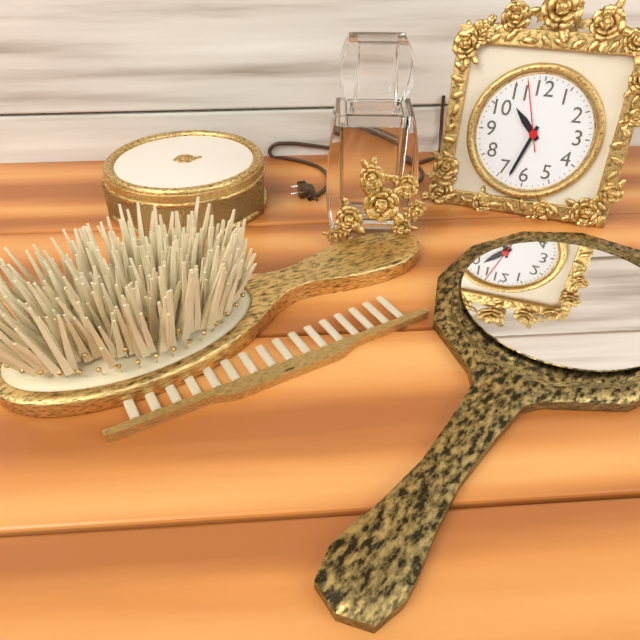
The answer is 10.33.57
